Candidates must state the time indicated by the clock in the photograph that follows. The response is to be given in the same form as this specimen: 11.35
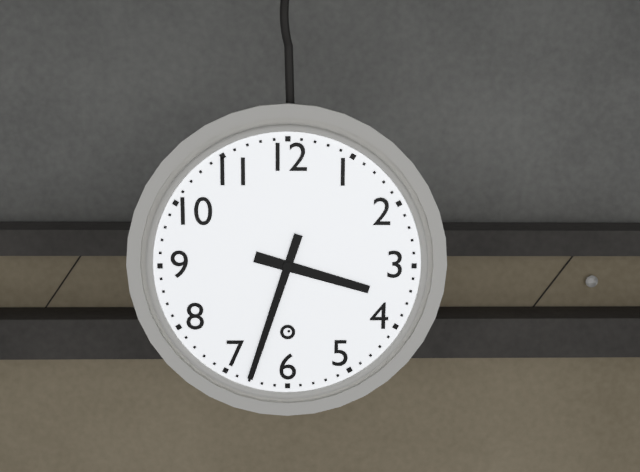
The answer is 3.33
